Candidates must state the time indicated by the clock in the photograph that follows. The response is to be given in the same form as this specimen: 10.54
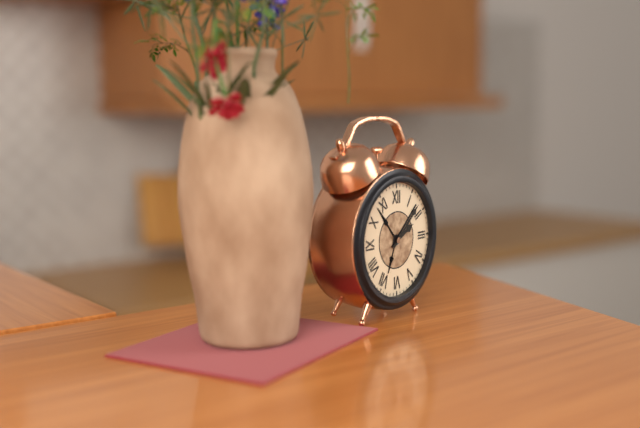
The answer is 2.08
